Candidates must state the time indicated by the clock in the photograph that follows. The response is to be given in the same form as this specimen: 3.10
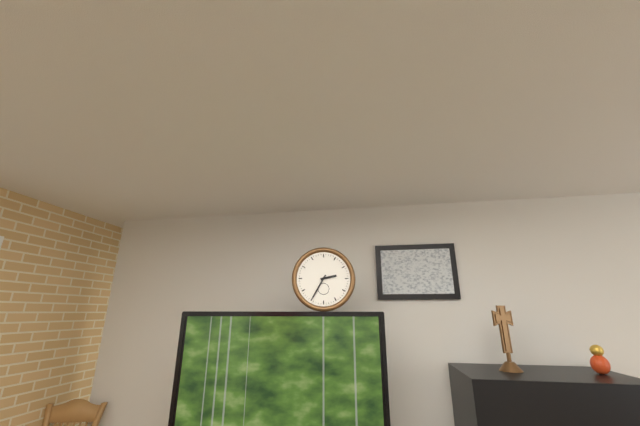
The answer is 2.35
